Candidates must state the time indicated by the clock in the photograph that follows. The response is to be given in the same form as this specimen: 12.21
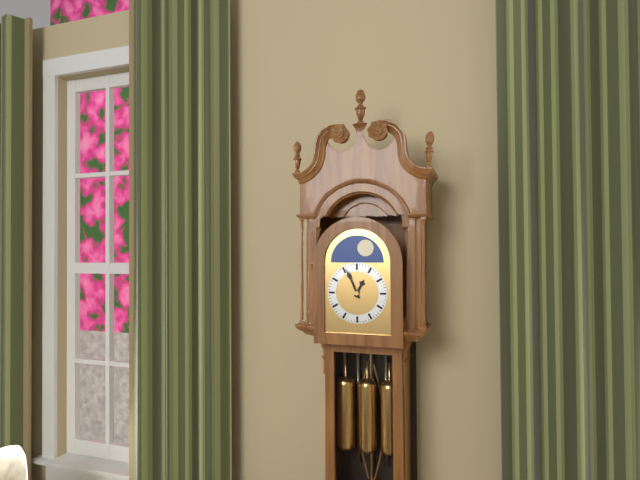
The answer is 12.56
